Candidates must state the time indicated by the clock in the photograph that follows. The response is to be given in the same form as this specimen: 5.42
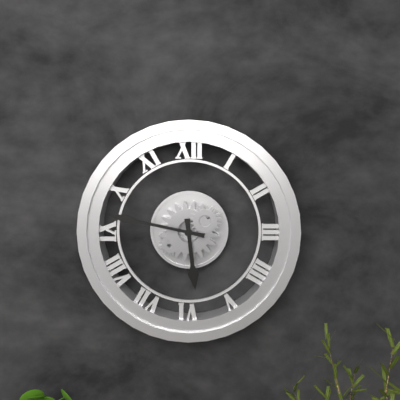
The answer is 5.47
